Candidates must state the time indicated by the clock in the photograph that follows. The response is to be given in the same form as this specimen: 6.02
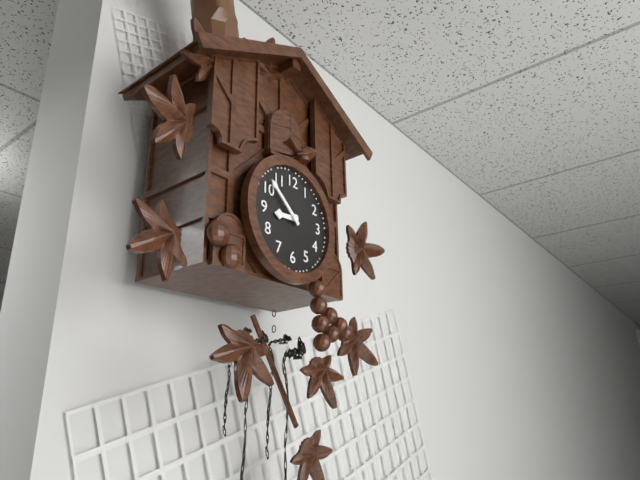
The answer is 8.52
